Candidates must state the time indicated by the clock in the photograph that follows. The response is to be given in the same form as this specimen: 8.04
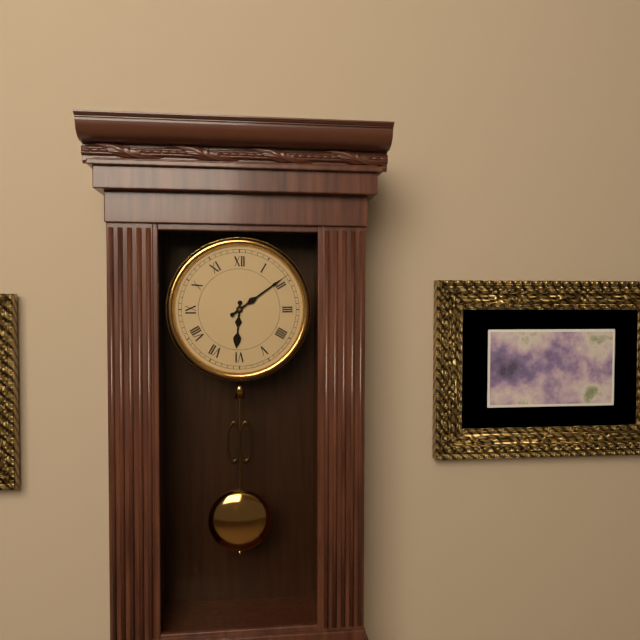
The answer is 6.09
